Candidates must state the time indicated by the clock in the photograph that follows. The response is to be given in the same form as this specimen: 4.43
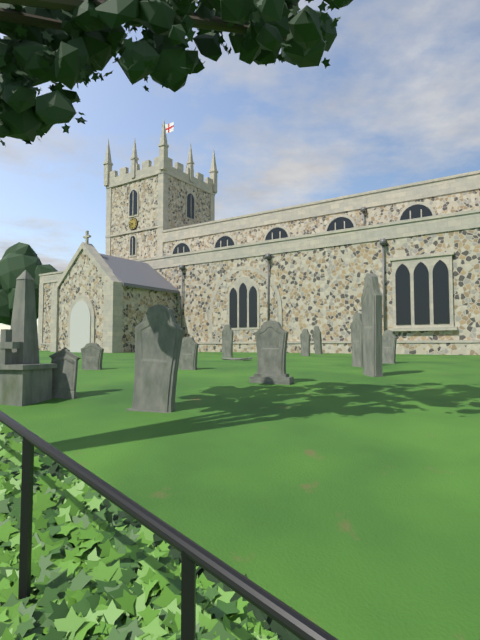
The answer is 9.39
